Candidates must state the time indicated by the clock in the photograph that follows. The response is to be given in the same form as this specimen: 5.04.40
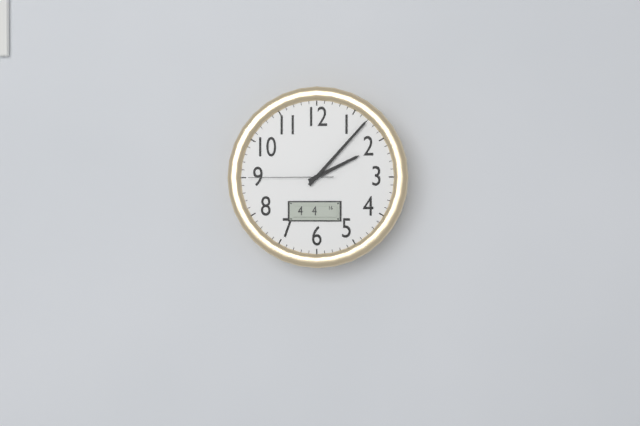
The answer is 2.07.45
